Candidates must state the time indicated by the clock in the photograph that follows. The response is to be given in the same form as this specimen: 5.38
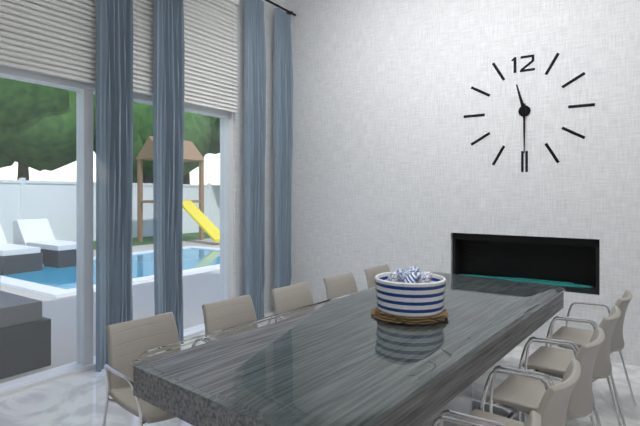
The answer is 11.30
